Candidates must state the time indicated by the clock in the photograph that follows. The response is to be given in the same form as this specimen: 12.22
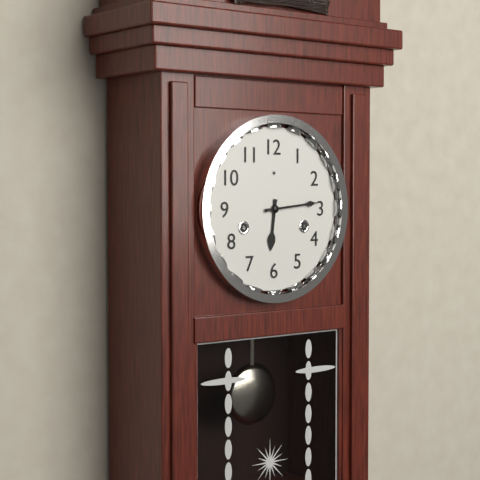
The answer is 6.14
